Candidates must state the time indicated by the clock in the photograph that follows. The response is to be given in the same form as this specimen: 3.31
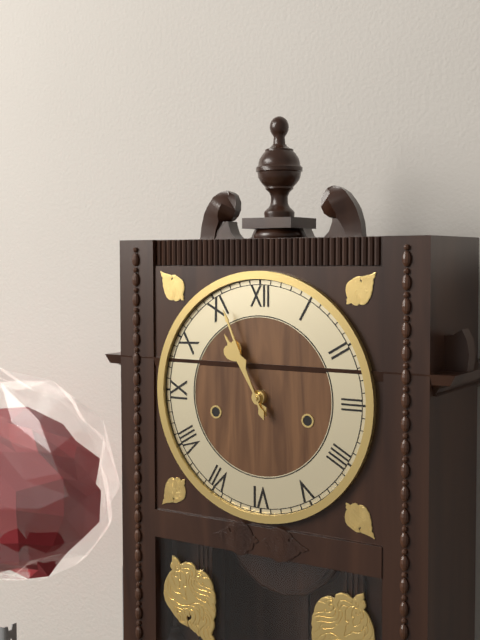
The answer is 10.56
